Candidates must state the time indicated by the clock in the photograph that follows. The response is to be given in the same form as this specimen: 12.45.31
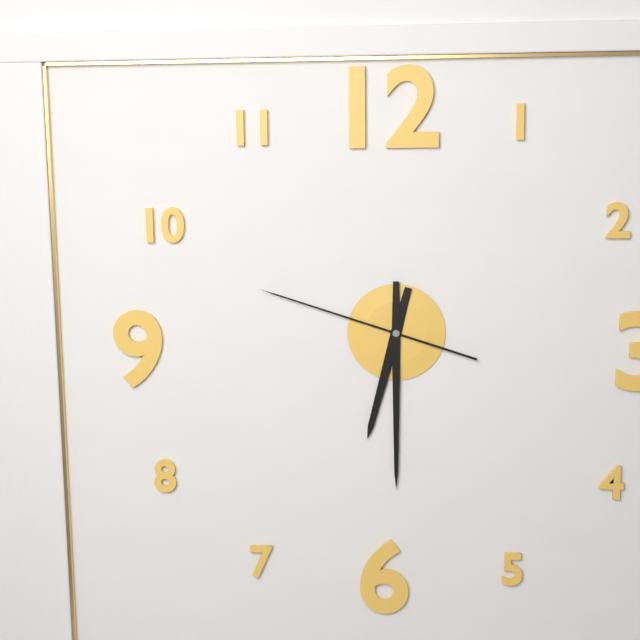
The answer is 6.30.48
